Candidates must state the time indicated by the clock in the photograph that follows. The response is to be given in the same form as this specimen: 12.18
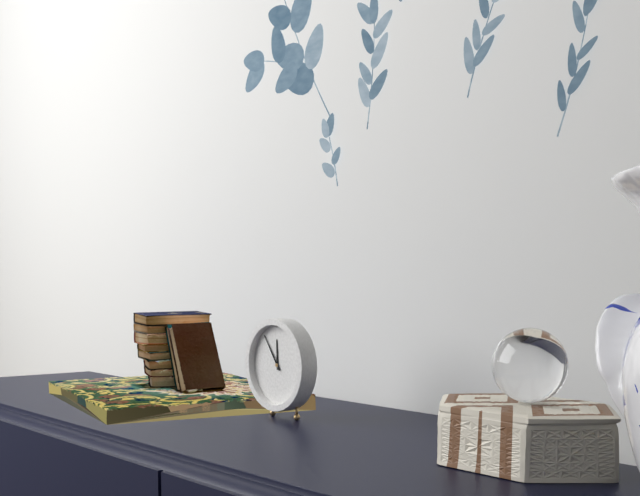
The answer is 11.54
